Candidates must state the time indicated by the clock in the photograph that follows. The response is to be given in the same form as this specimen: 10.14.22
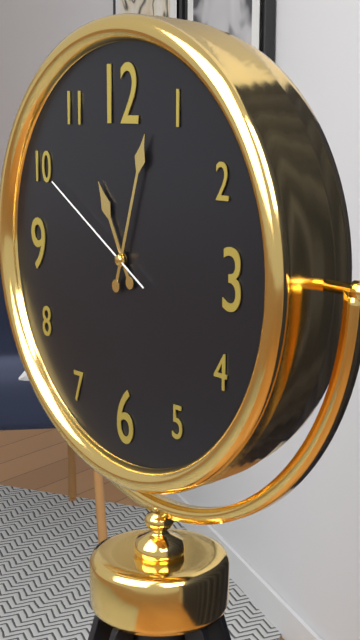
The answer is 11.03.50
